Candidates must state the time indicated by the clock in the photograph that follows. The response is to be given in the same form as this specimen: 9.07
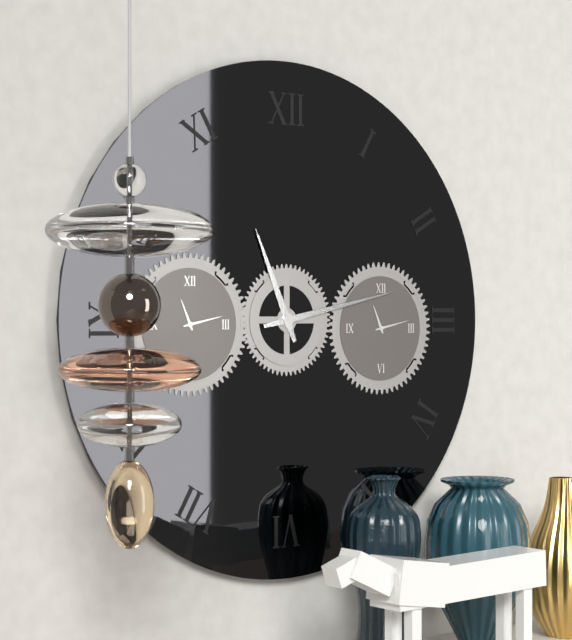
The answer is 11.13
